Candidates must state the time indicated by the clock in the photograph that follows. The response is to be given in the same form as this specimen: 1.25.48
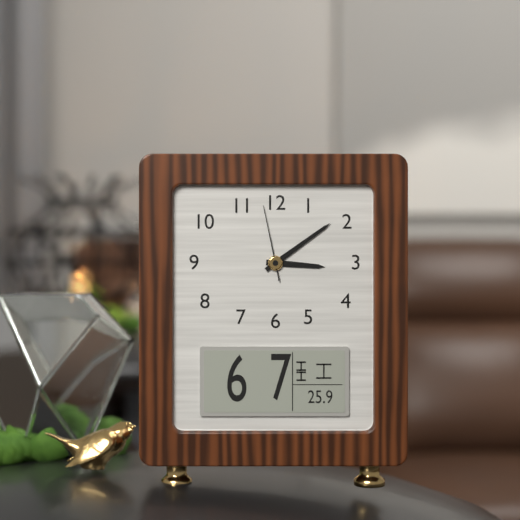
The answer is 3.09.58
